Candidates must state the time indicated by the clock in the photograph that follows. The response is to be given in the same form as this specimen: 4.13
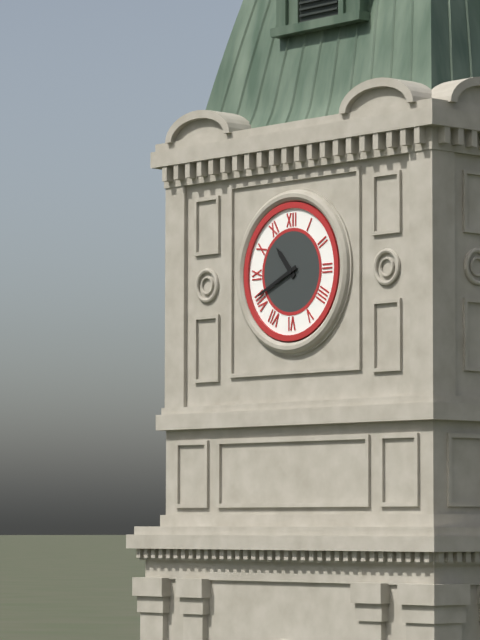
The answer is 10.41
